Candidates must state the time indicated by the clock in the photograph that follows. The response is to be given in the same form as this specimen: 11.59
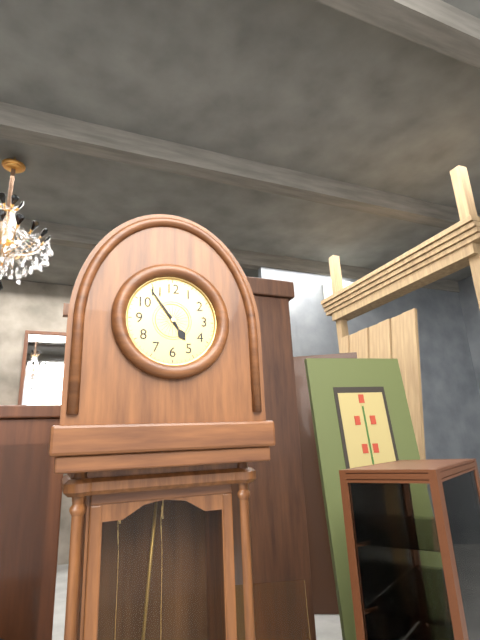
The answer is 4.54
